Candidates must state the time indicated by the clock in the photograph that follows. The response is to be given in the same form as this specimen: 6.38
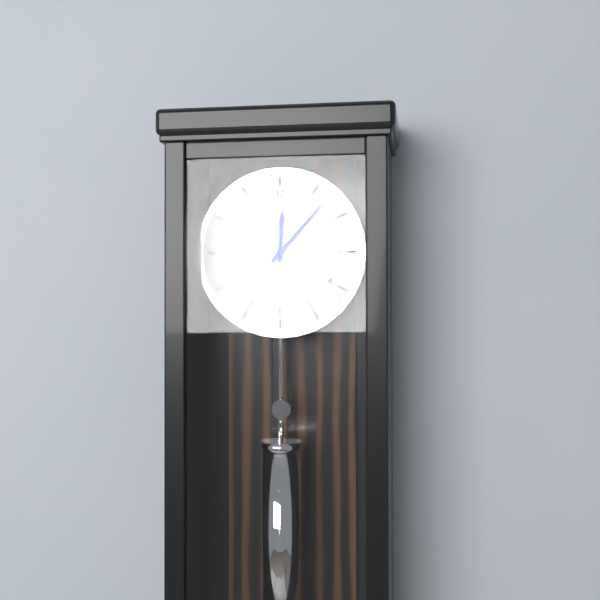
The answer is 12.07
